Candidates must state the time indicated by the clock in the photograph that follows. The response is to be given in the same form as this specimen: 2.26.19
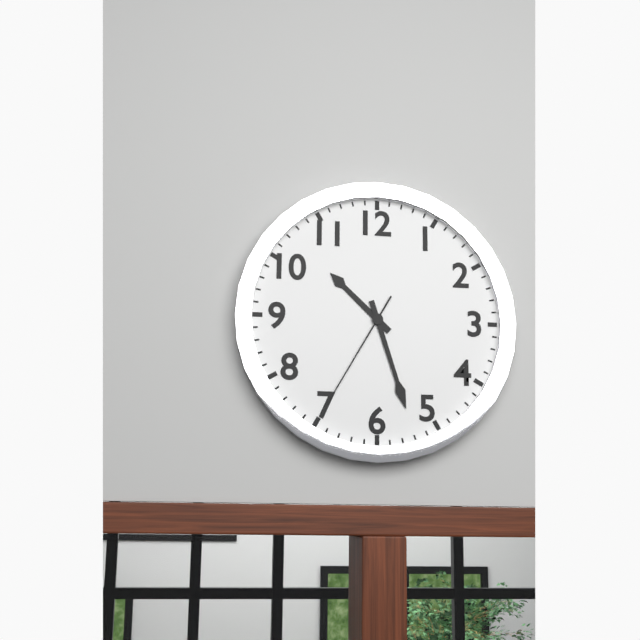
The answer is 10.27.35
